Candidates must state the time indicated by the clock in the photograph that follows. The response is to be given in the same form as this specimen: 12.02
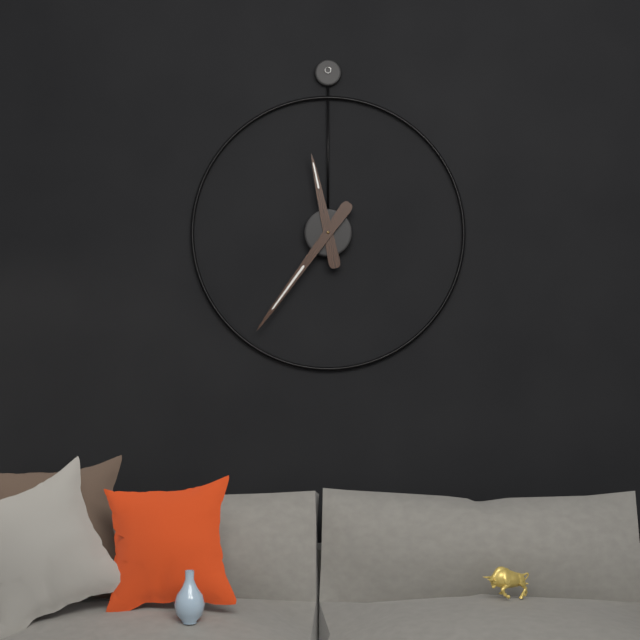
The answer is 11.36
